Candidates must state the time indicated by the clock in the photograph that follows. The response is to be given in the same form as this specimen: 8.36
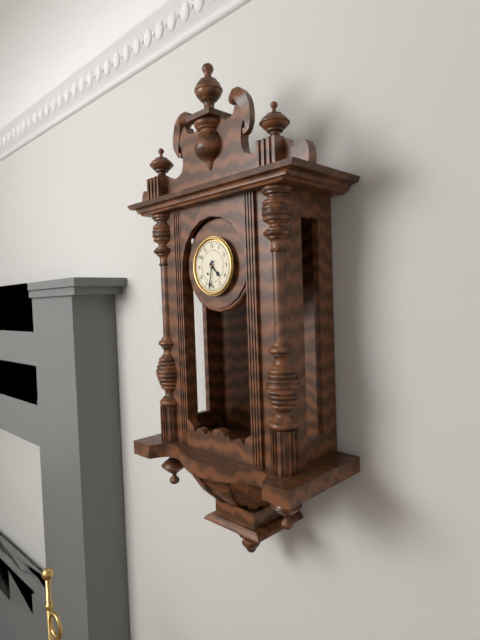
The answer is 4.32
